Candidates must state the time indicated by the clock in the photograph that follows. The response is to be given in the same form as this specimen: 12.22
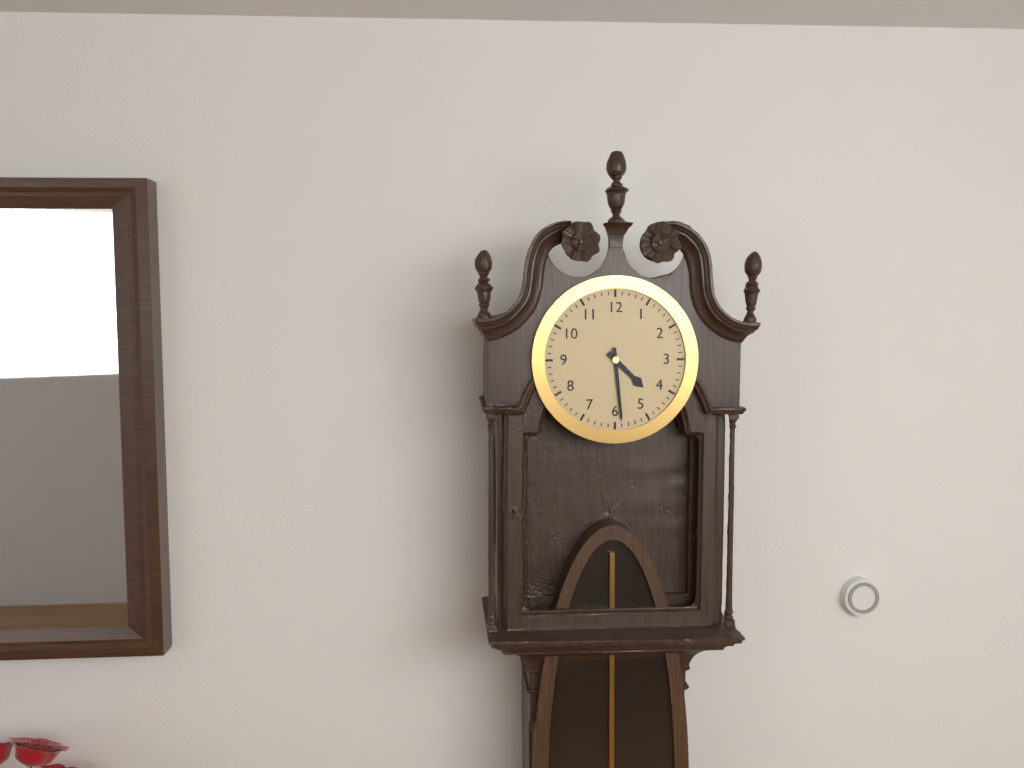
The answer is 4.29
